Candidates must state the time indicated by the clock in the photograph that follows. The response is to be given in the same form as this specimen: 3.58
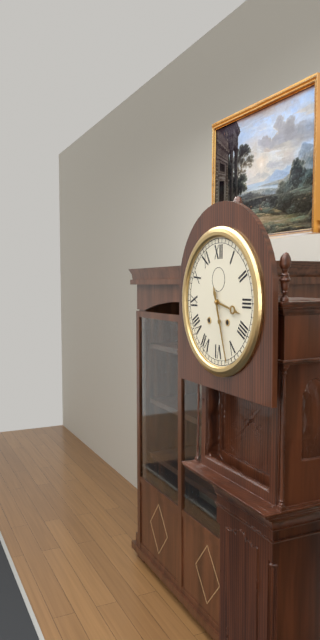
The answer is 3.27
